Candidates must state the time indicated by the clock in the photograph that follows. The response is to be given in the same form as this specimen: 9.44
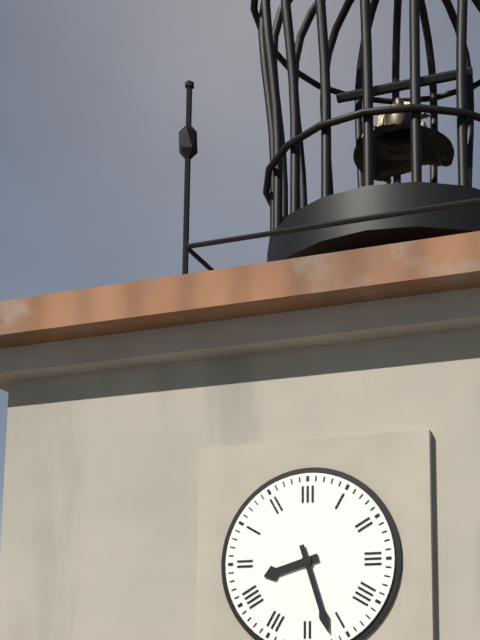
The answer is 8.27
